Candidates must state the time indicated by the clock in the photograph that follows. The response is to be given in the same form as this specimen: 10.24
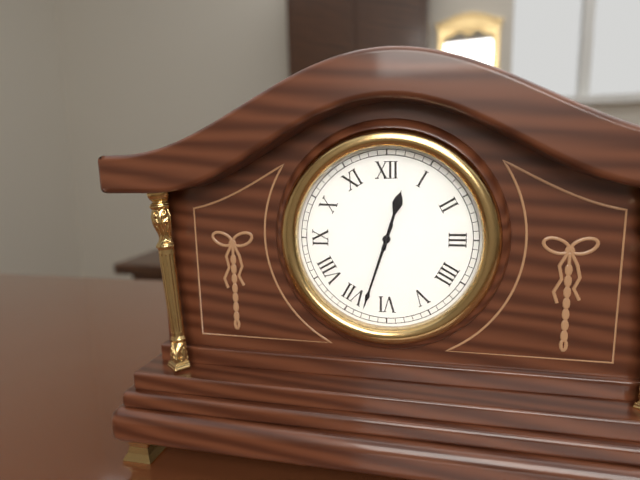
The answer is 12.33
